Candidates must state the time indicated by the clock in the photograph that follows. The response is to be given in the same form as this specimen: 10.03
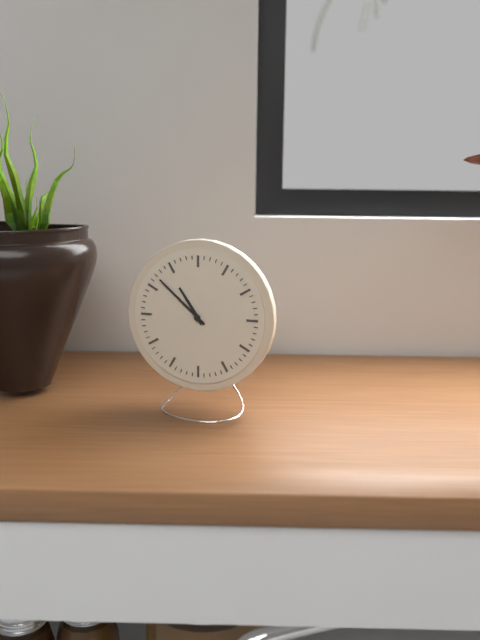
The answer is 10.52
